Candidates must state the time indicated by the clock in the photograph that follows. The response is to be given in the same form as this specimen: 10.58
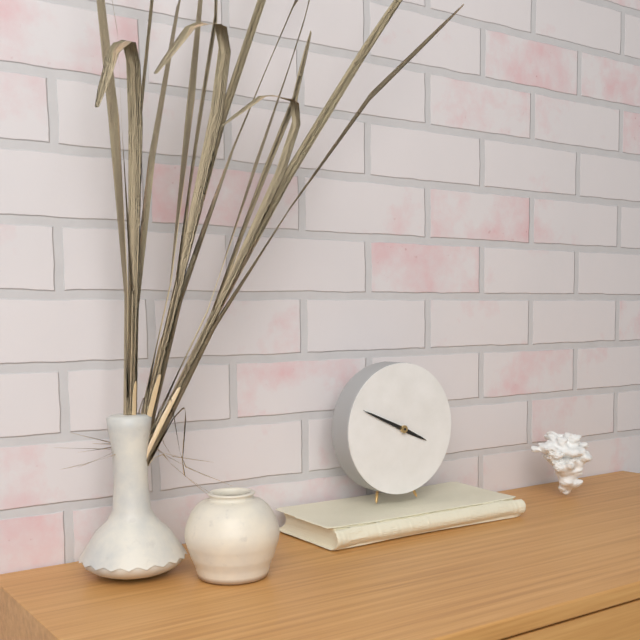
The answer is 3.49
